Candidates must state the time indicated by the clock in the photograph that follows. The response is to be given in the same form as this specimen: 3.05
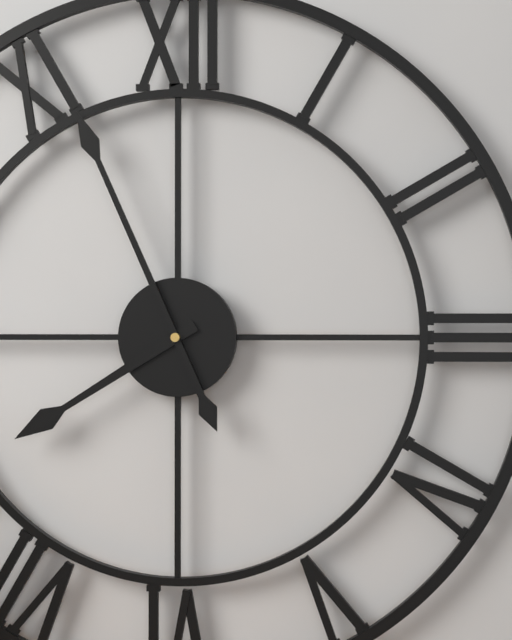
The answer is 7.56
